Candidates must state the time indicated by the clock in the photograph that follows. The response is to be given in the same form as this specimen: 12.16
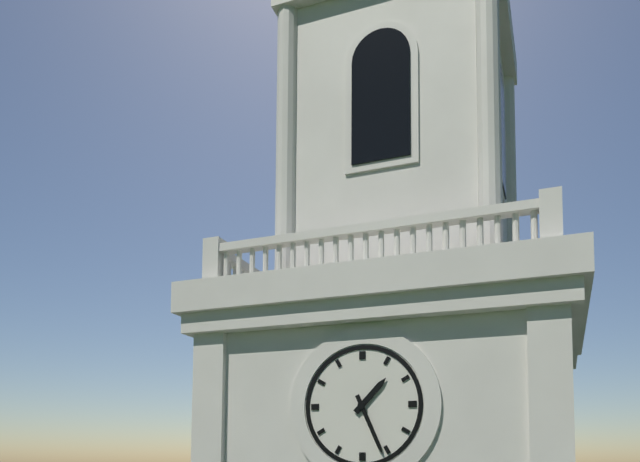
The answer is 1.26
